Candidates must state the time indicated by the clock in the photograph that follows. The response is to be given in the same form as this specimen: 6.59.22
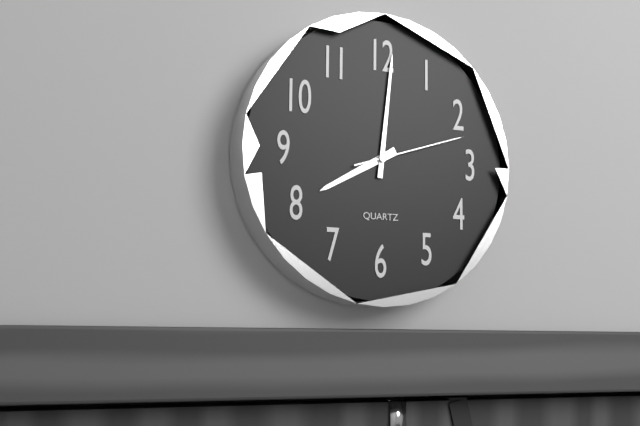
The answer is 8.01.12
